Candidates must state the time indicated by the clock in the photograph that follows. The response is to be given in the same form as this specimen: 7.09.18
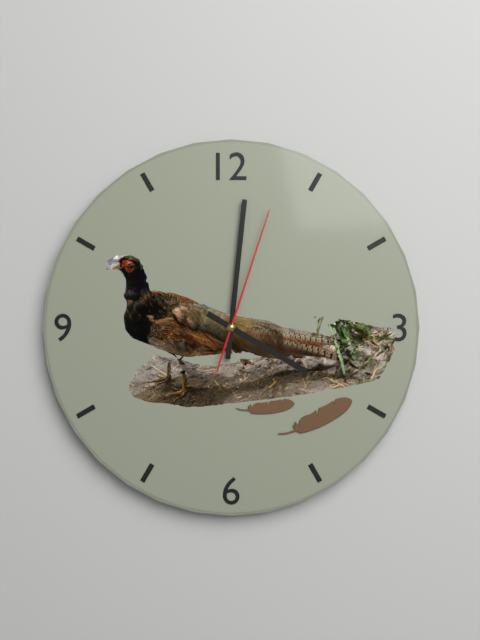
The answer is 4.01.03
